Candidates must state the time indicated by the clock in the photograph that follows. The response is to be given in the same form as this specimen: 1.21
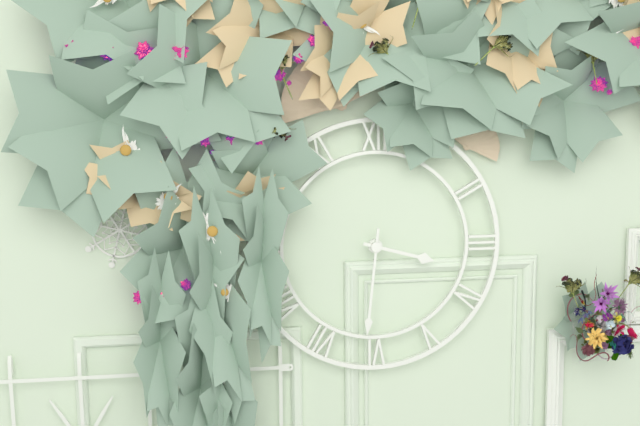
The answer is 3.31
